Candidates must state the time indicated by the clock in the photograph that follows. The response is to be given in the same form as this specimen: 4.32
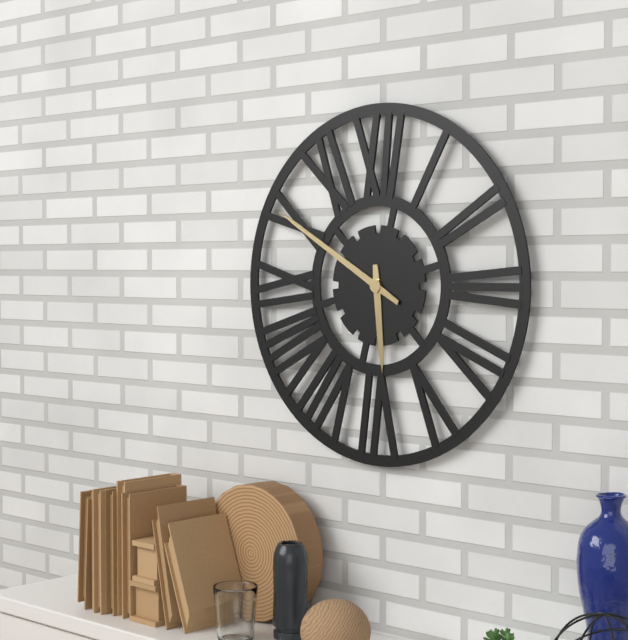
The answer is 5.50
